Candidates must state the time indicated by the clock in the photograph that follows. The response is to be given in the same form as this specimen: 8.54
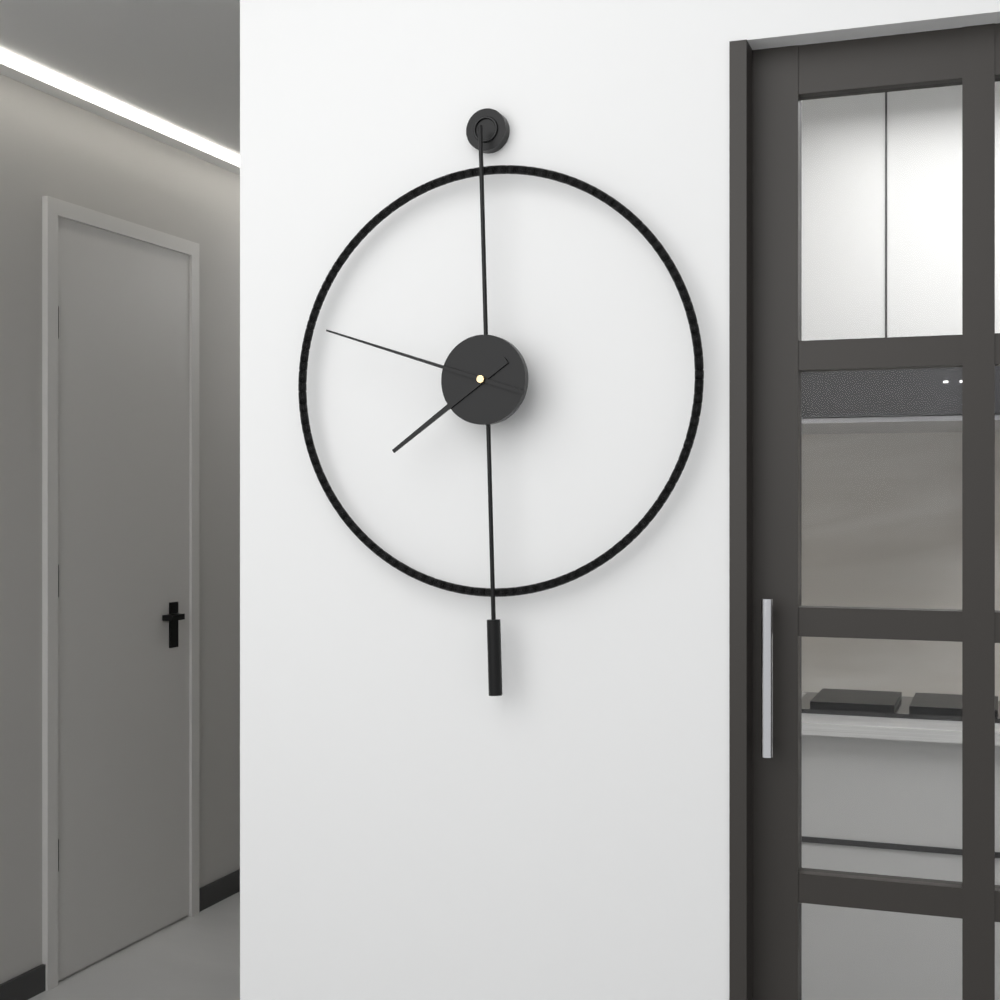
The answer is 7.48
